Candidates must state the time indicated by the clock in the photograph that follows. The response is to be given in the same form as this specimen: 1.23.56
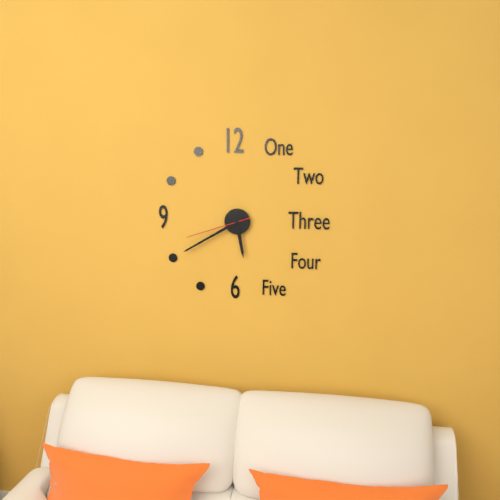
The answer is 5.40.42
